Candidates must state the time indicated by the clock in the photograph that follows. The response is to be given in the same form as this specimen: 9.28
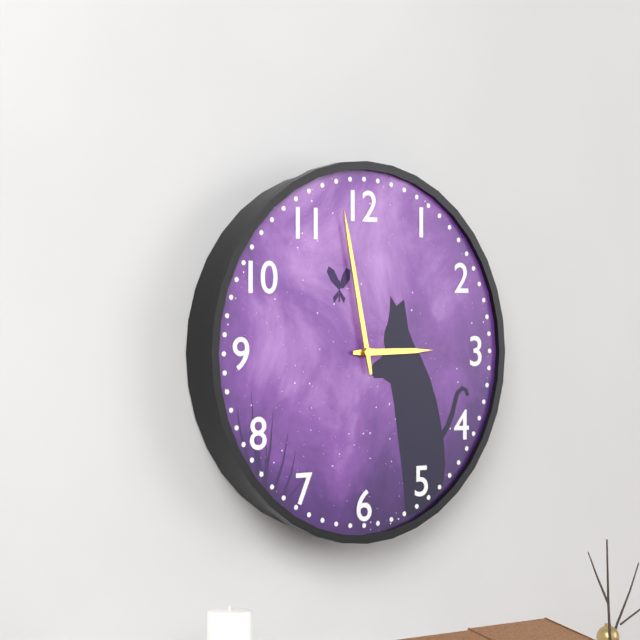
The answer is 2.58
